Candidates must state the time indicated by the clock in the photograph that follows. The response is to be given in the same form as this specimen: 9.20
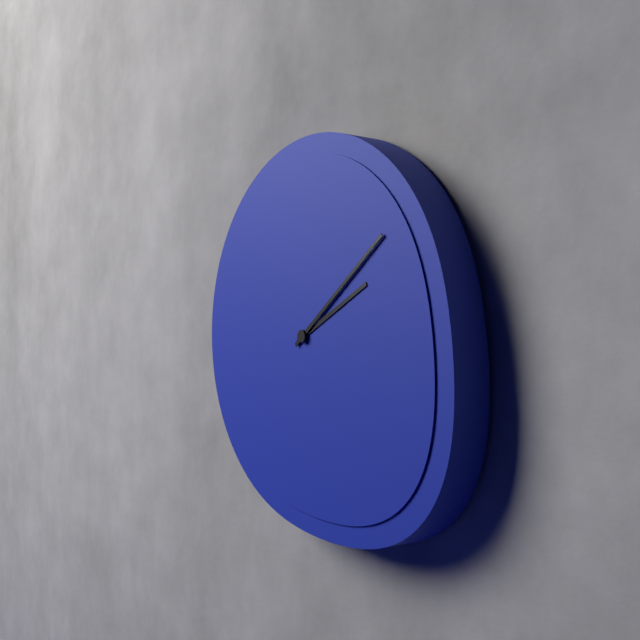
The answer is 2.09
